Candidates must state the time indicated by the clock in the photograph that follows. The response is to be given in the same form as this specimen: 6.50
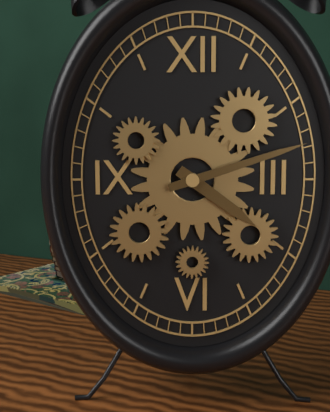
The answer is 4.12
